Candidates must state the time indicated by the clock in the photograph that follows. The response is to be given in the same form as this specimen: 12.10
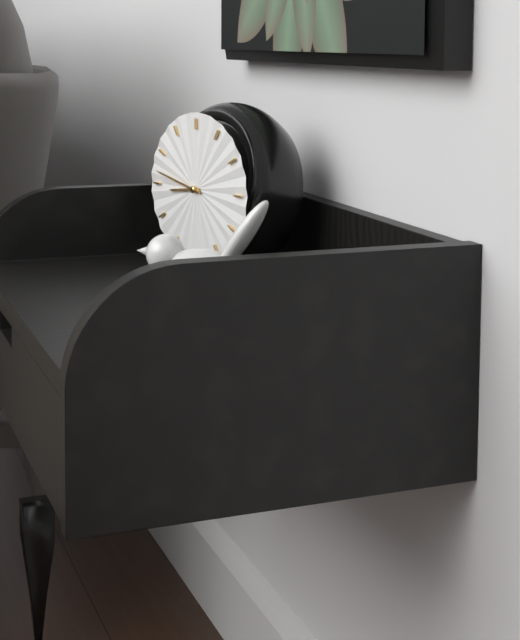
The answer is 8.47
